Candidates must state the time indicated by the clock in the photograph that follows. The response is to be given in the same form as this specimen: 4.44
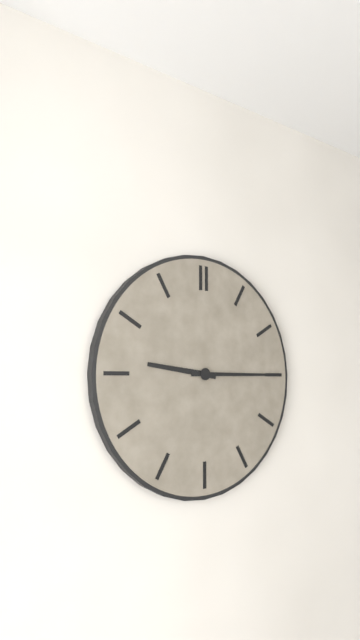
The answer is 9.15
